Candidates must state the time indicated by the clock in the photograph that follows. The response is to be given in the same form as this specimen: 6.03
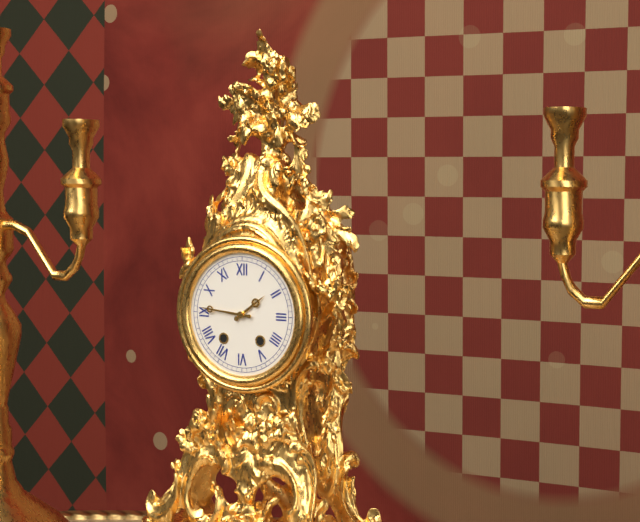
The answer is 1.46
